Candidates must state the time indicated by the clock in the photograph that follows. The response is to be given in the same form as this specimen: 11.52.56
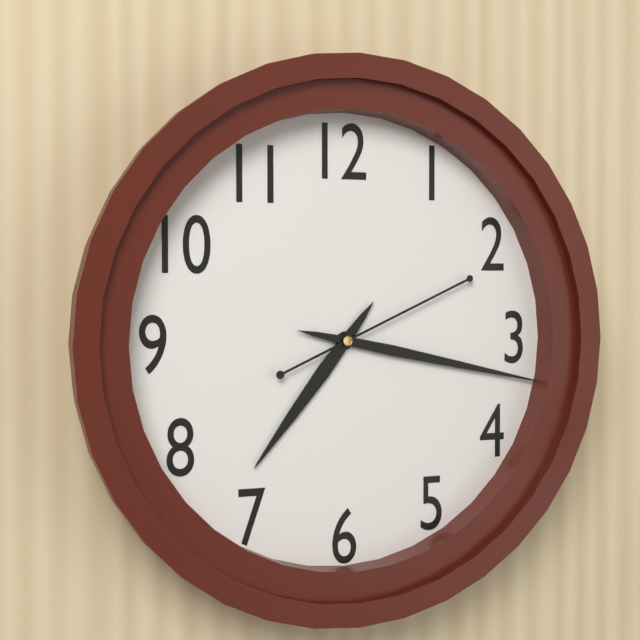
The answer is 7.17.11
